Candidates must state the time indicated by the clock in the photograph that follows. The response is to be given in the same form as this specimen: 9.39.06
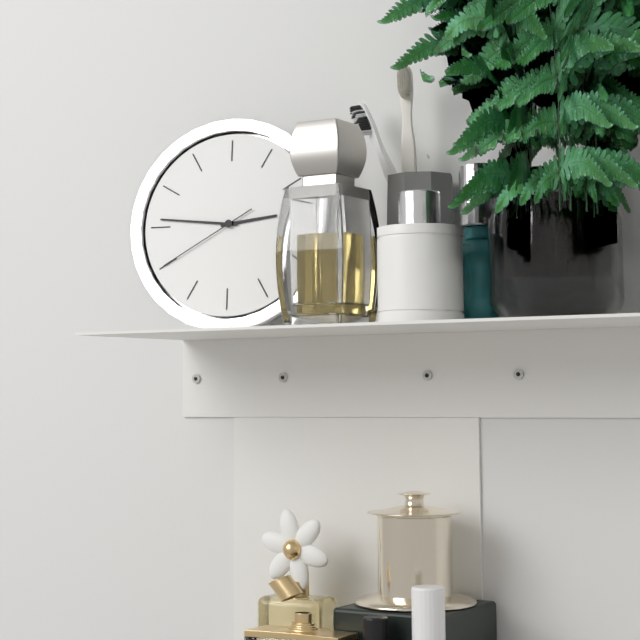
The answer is 2.46.40
